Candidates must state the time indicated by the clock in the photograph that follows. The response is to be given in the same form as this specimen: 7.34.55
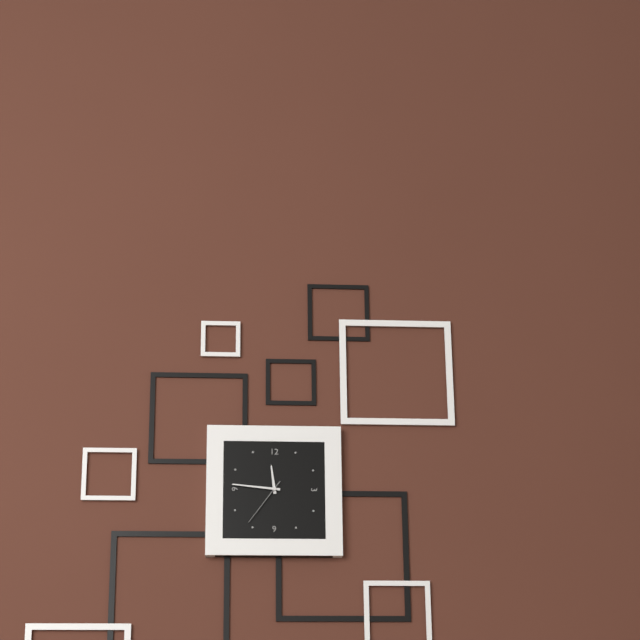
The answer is 11.46.36
